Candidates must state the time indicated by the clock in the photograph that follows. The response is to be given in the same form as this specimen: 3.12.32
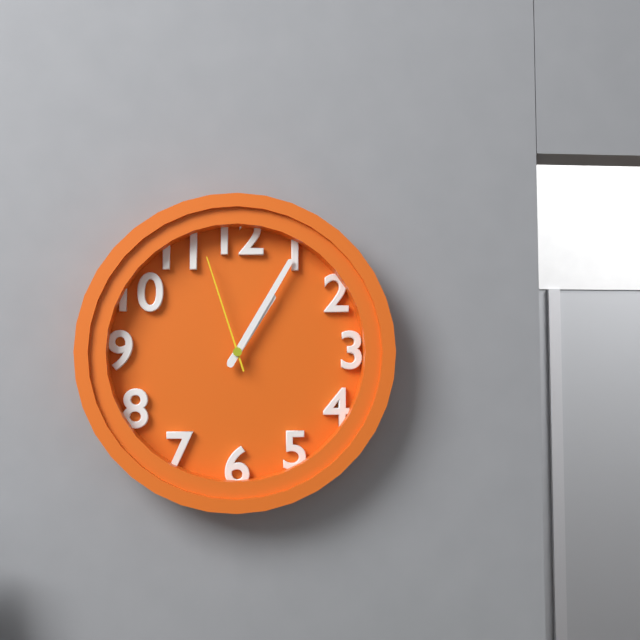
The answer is 1.05.57
